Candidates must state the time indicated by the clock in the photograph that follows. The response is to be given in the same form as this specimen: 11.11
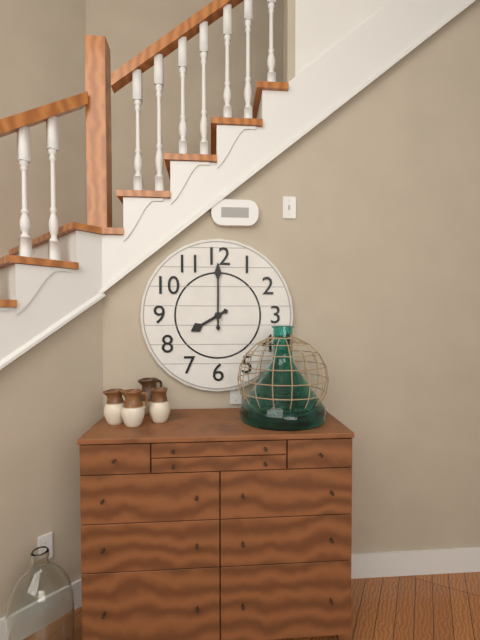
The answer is 8.00
